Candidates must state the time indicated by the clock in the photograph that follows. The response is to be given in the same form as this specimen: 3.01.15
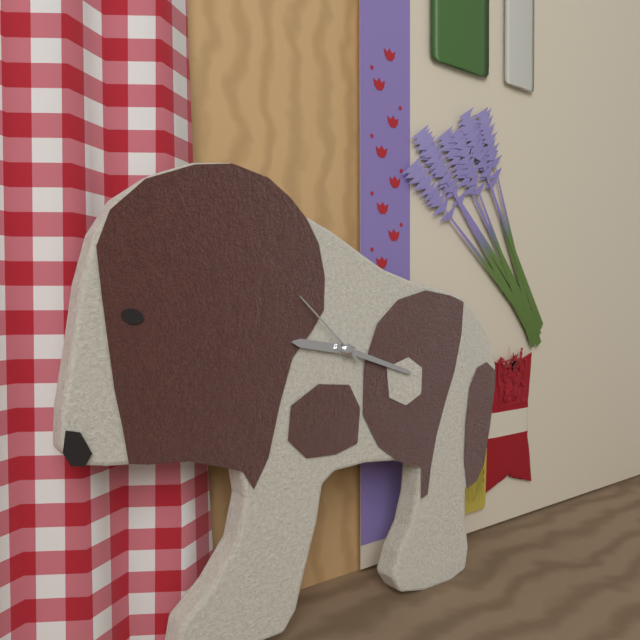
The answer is 9.18.52
